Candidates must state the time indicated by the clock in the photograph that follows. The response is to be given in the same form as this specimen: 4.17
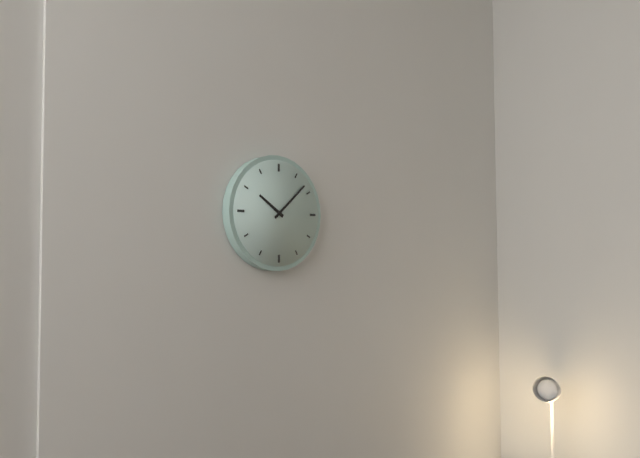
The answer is 10.08
